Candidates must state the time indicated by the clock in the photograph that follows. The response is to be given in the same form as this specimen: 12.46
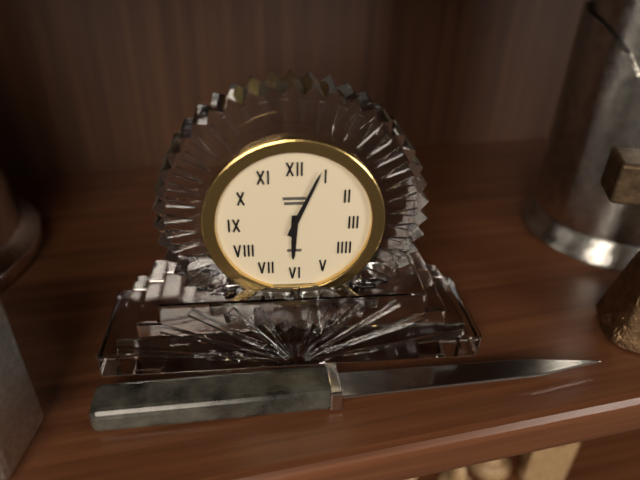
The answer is 6.04
